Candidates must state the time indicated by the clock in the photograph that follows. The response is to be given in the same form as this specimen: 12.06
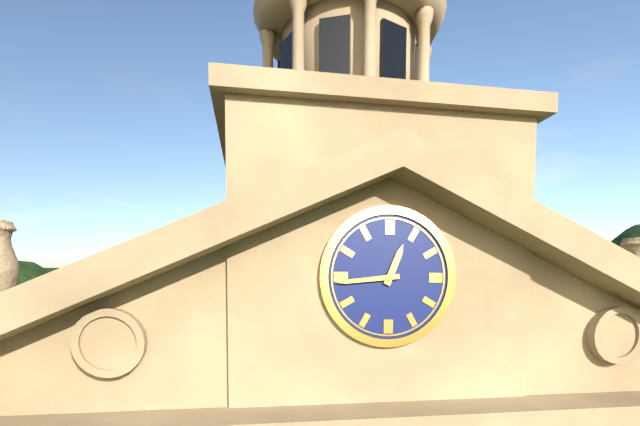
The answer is 12.44
